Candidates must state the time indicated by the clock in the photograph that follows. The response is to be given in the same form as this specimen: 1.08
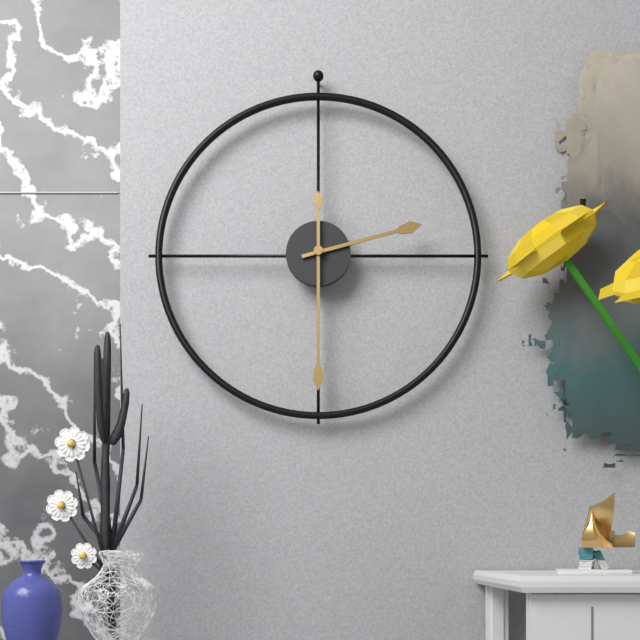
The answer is 2.30
